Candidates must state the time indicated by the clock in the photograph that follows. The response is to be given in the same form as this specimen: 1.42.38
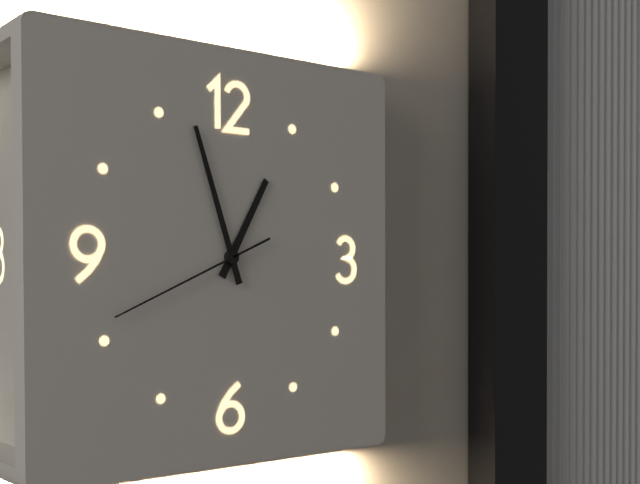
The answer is 12.57.41
